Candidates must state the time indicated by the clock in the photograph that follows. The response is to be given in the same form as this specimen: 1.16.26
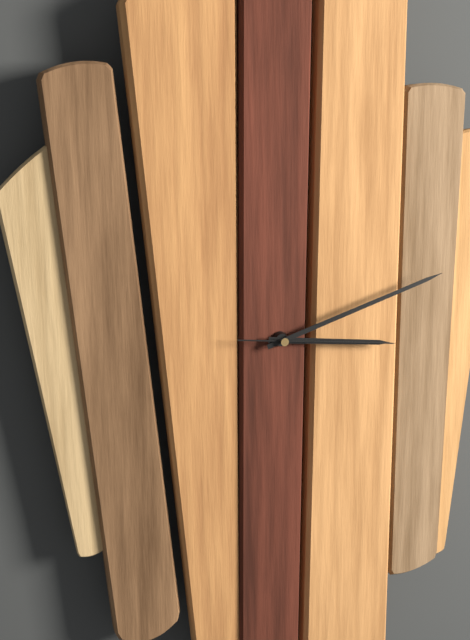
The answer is 3.12.16
